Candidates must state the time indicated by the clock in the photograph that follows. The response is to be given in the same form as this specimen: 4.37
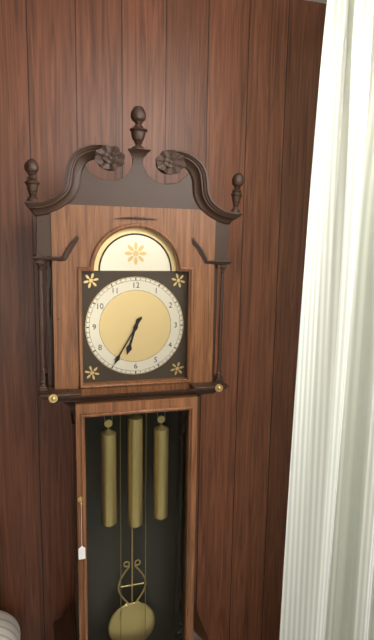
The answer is 6.35
